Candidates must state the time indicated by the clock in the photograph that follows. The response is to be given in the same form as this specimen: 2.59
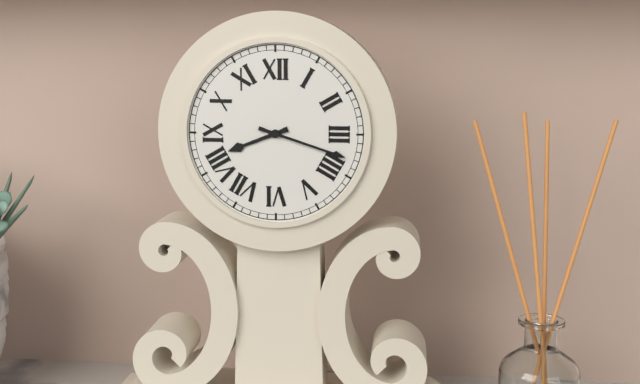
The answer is 8.18
